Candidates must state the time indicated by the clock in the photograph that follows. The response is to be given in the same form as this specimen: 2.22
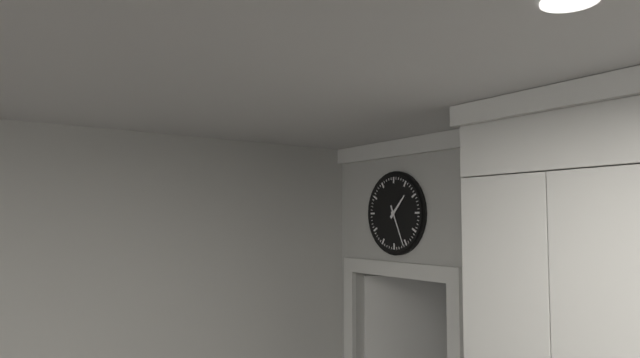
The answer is 1.26
